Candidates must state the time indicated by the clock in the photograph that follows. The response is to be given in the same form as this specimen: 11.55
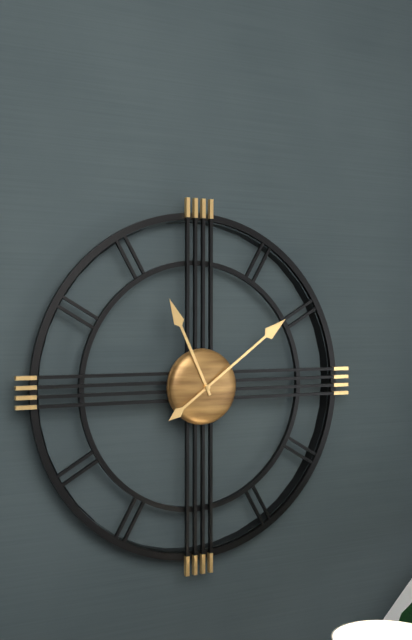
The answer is 11.09
